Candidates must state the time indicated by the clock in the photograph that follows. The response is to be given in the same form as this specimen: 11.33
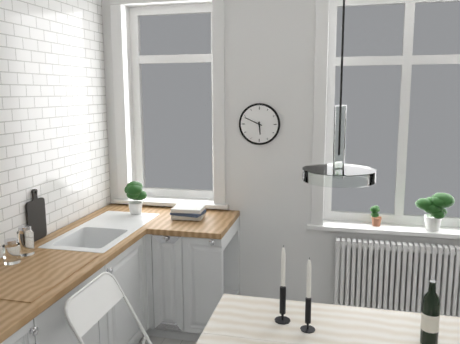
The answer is 5.49
